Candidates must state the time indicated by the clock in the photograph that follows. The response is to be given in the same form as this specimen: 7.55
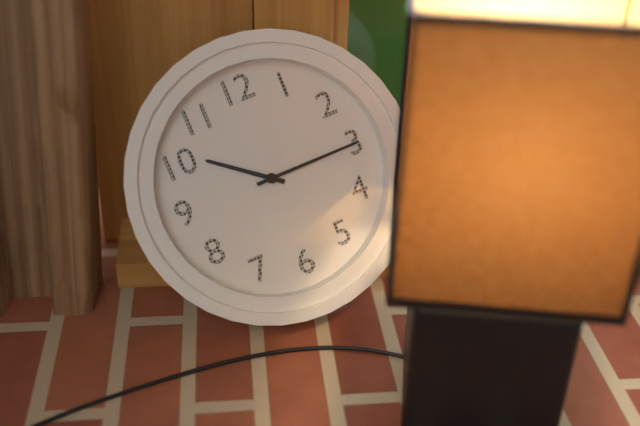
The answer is 10.15
